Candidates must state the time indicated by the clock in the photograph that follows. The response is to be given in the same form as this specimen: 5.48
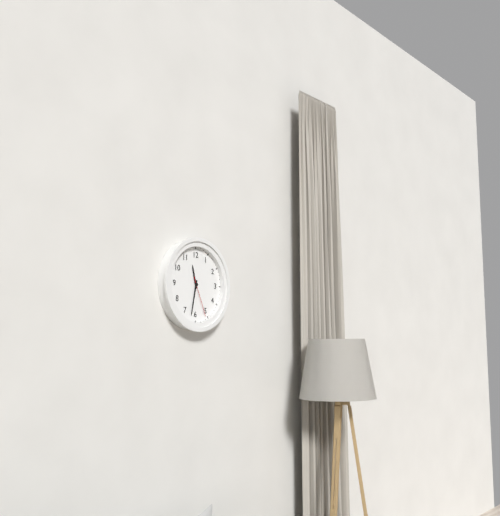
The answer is 11.32
